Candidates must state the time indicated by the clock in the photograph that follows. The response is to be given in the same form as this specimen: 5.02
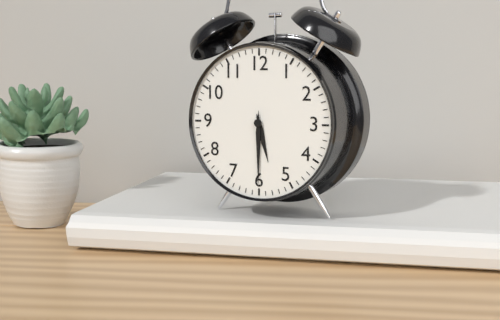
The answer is 5.30
